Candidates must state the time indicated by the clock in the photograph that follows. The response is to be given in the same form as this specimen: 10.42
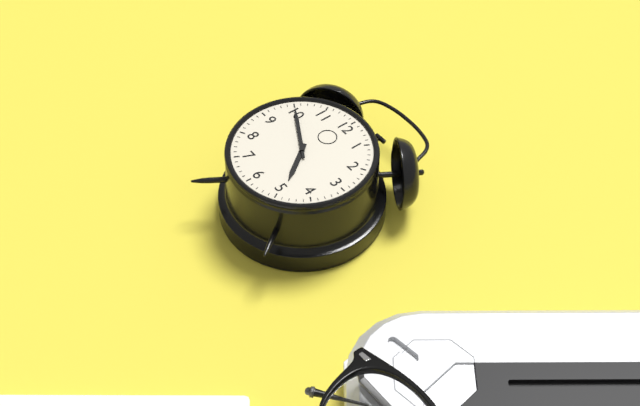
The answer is 4.50
